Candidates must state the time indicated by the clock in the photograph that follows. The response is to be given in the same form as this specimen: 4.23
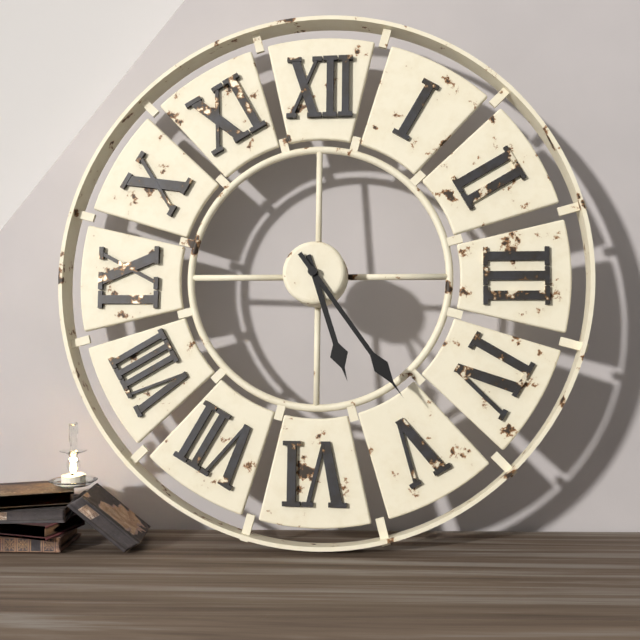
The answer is 5.24
